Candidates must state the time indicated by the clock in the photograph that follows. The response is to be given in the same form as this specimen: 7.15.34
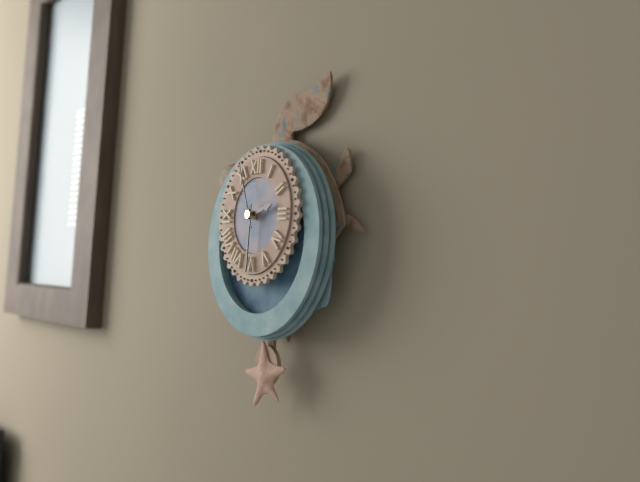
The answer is 2.30.56
